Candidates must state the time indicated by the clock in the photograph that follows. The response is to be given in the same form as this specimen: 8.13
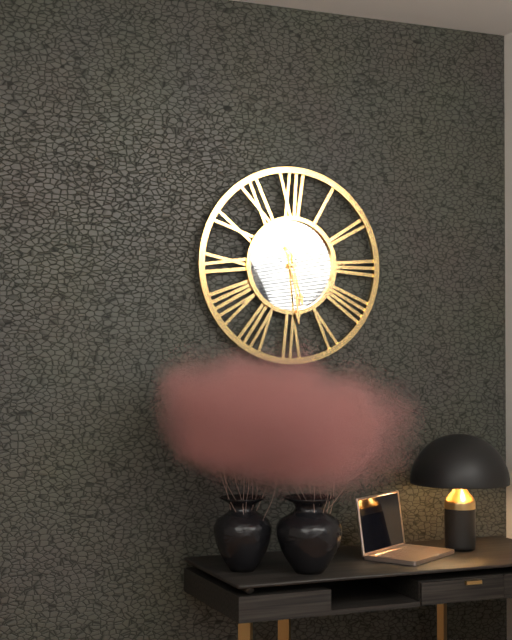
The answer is 5.29
